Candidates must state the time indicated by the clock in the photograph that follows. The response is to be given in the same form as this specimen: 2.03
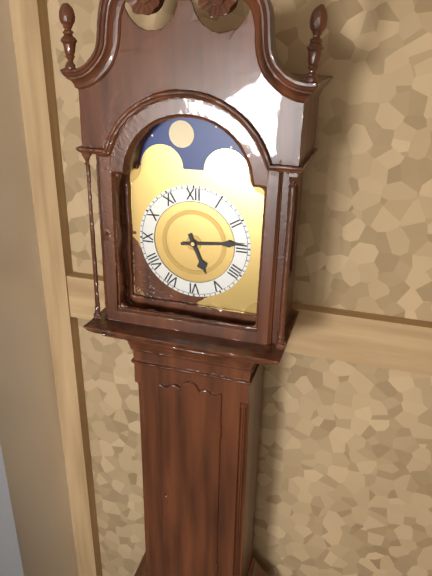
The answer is 5.14
